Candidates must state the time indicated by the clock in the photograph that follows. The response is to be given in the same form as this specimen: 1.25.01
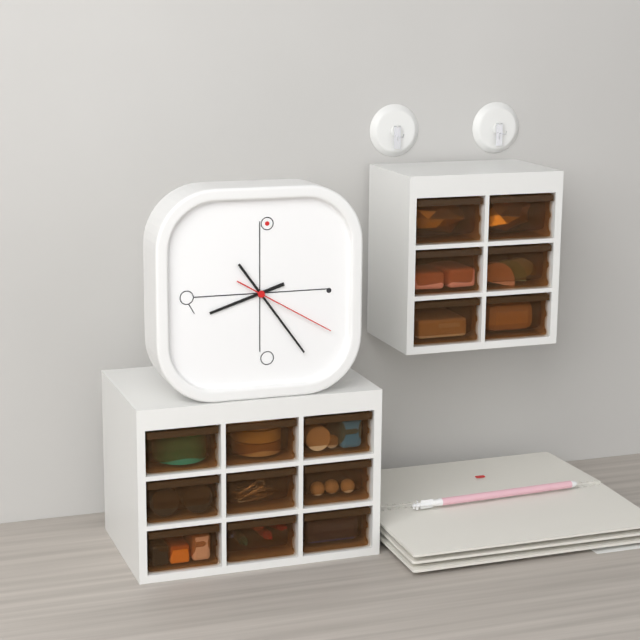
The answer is 8.24.20
